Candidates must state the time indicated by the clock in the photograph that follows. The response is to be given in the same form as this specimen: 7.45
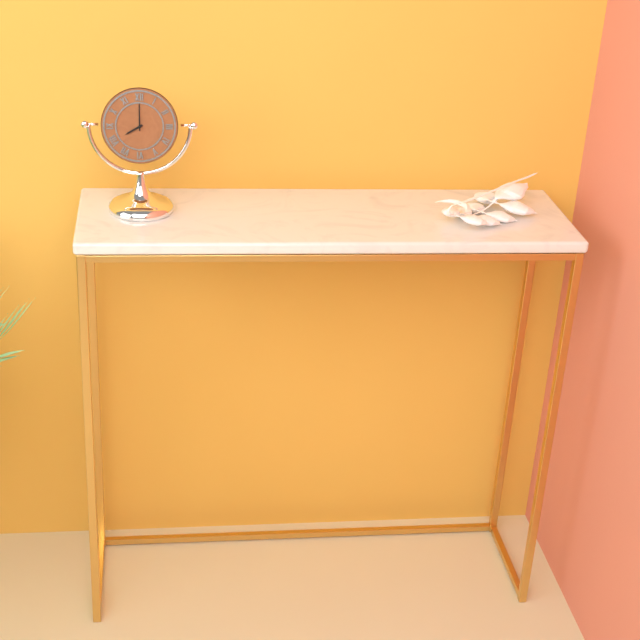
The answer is 8.00
